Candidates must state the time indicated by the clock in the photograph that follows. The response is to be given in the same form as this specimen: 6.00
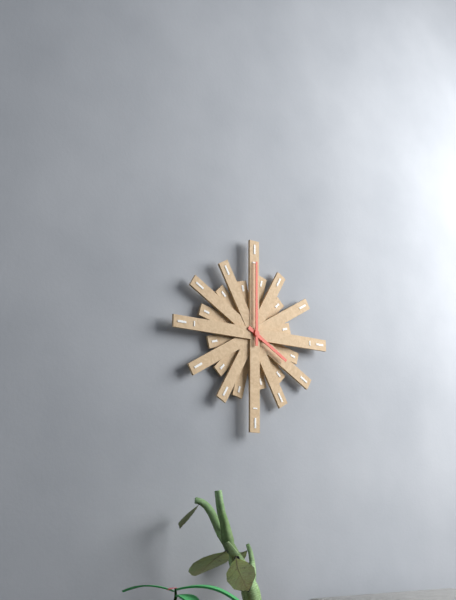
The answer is 4.00
